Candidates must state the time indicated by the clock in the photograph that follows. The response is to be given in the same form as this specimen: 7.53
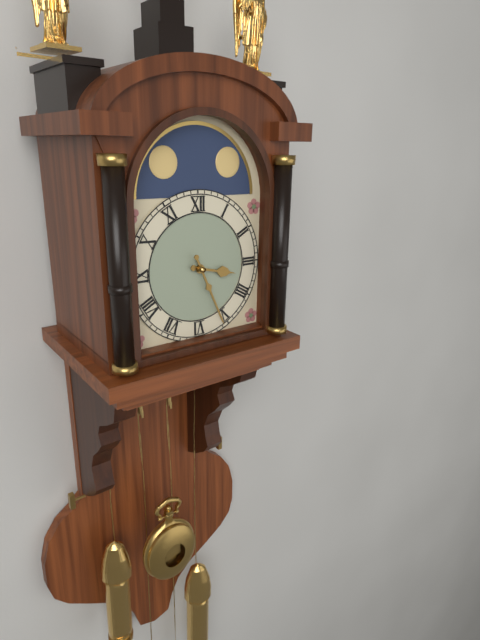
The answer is 3.26
